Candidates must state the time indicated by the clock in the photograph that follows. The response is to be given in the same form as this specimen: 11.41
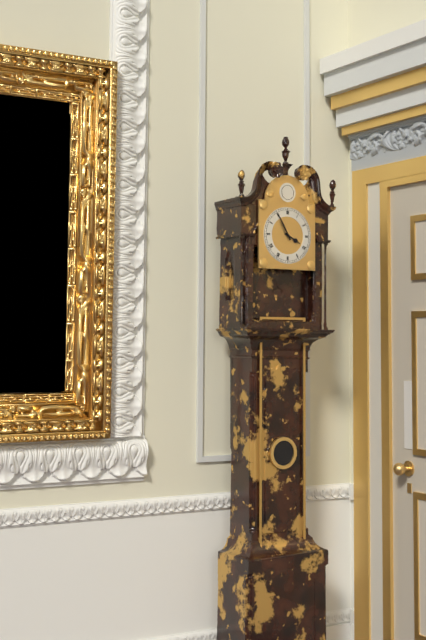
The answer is 3.55
